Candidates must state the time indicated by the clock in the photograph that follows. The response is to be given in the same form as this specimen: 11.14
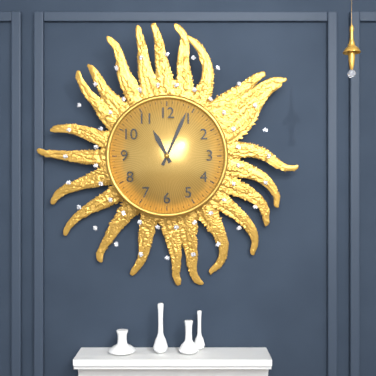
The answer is 11.04
